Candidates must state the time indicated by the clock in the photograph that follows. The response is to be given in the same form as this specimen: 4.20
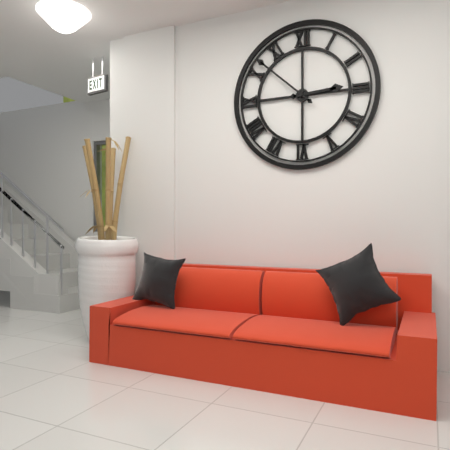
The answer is 2.52
